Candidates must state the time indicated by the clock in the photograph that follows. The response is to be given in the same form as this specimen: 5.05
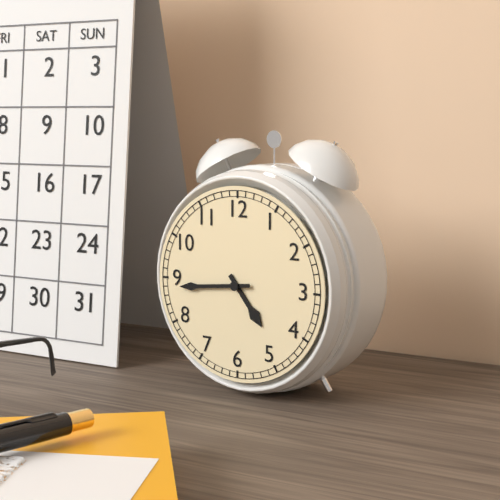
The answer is 4.44
